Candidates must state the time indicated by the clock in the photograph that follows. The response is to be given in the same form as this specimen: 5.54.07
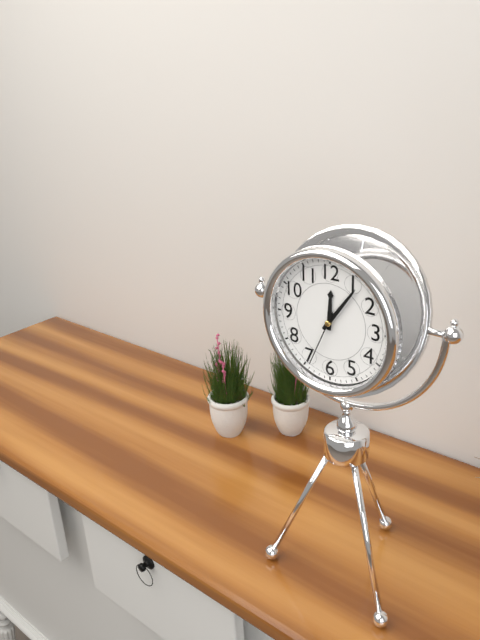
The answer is 12.06.34
